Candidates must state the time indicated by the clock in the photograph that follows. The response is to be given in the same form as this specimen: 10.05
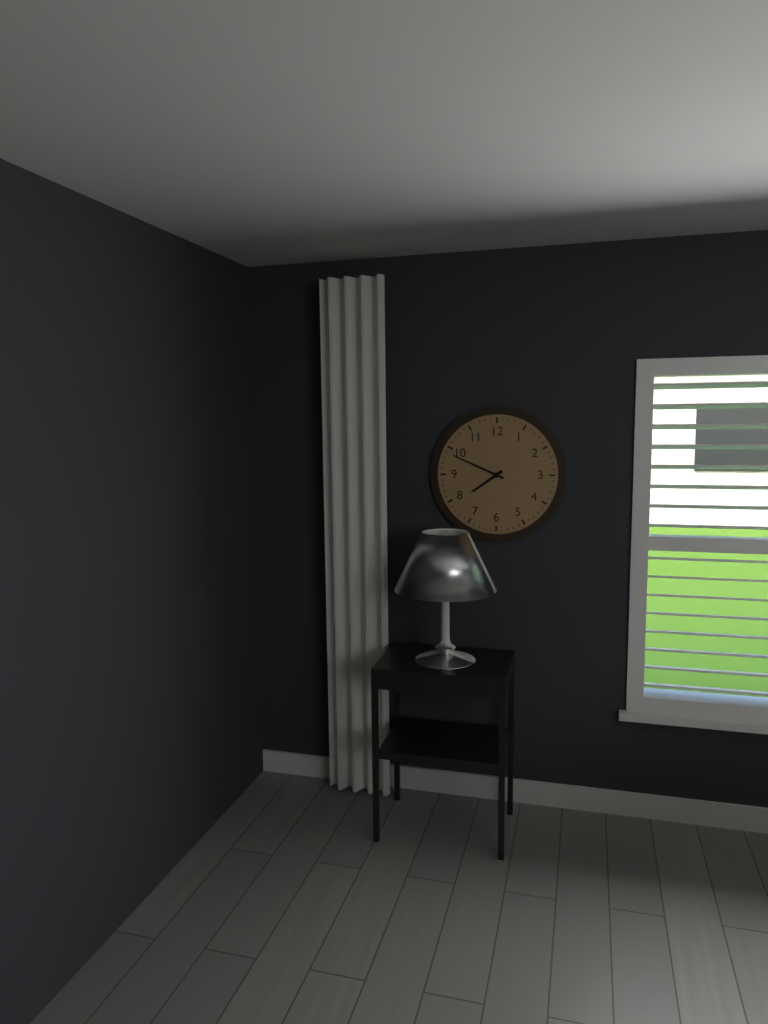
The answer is 7.49
